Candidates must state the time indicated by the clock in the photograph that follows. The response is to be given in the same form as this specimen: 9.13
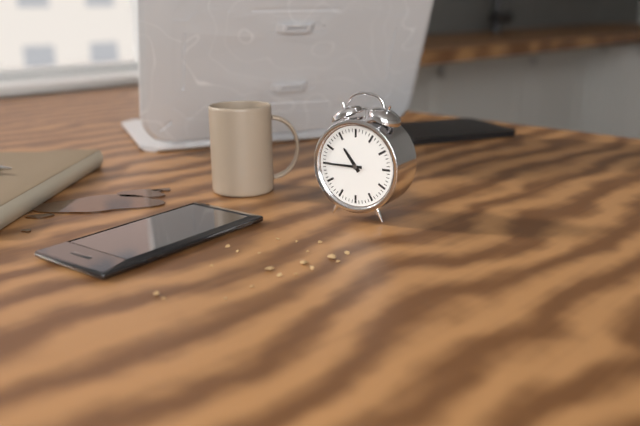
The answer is 10.45
